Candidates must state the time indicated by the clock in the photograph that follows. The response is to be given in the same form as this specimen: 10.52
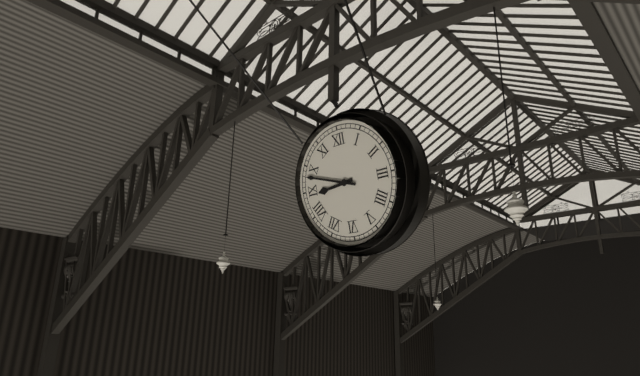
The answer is 8.48
